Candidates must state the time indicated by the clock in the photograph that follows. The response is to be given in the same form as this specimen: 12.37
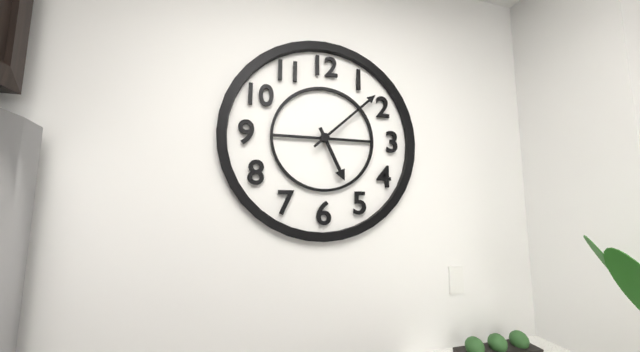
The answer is 5.08
